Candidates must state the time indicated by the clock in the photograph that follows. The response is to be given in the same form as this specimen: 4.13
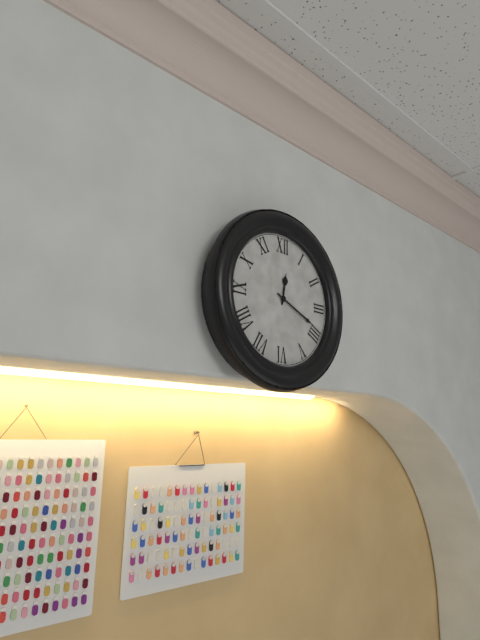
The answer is 12.19
